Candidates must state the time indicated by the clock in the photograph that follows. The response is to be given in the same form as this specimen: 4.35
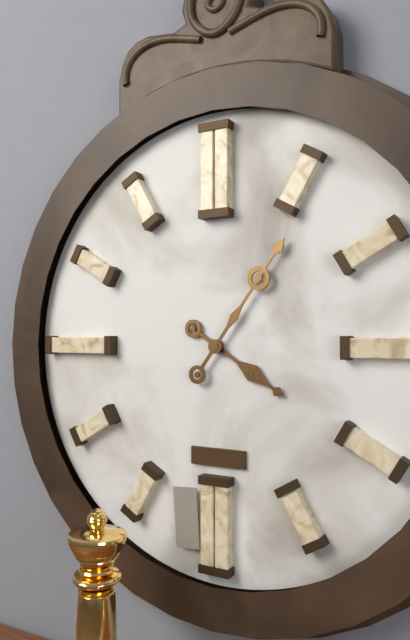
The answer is 4.06
